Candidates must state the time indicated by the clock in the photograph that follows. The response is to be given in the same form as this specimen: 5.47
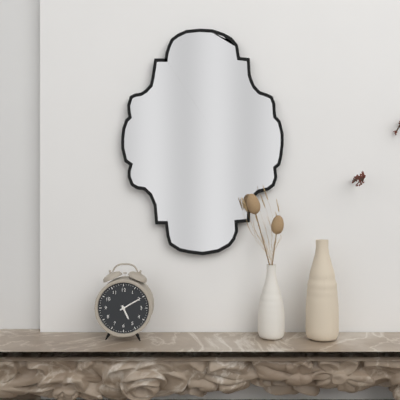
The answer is 5.10
